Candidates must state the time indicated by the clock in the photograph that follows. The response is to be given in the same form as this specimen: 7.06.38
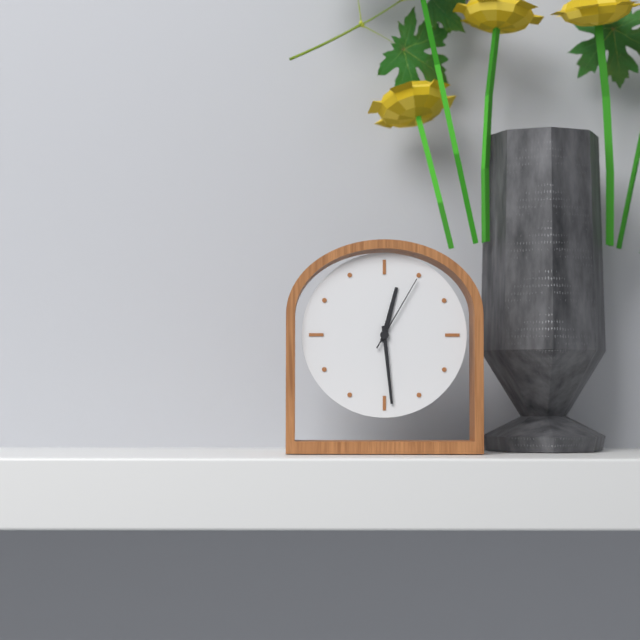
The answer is 12.29.05
